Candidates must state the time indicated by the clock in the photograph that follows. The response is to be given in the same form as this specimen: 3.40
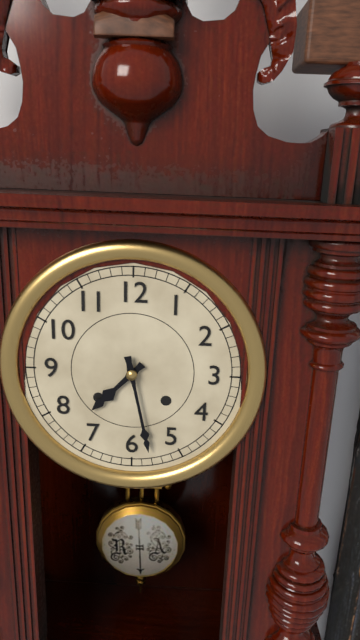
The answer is 7.28
